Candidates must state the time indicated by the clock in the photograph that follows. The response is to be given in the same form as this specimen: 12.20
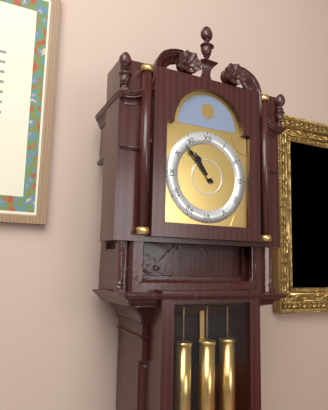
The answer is 10.53
